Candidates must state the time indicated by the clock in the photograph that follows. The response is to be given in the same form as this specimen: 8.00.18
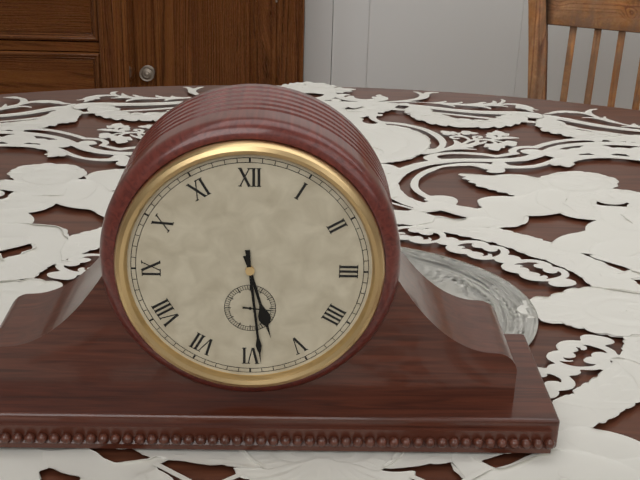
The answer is 5.29.16
